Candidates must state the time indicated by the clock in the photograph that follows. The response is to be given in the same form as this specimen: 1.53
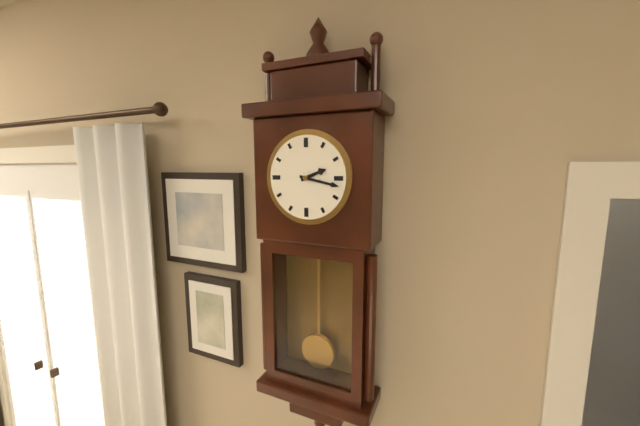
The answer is 2.17
